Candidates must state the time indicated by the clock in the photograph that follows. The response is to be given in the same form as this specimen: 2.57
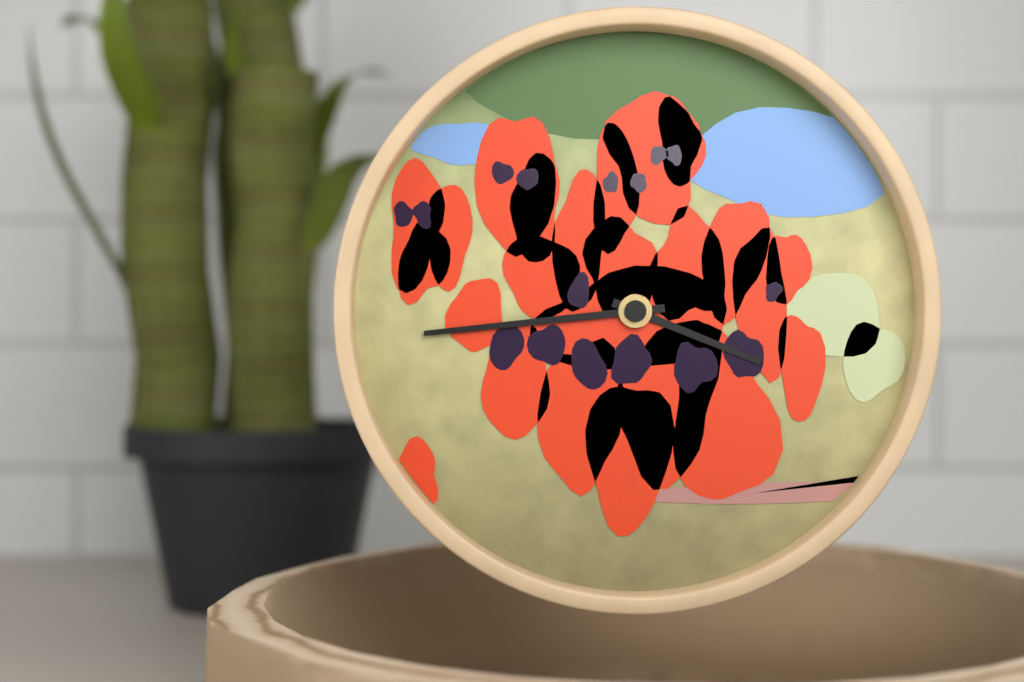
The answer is 3.44
